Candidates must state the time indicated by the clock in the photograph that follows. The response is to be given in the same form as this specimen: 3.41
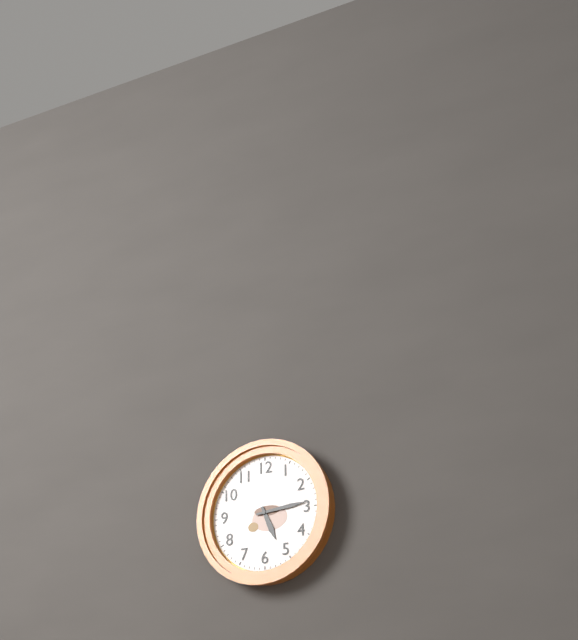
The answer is 5.14
